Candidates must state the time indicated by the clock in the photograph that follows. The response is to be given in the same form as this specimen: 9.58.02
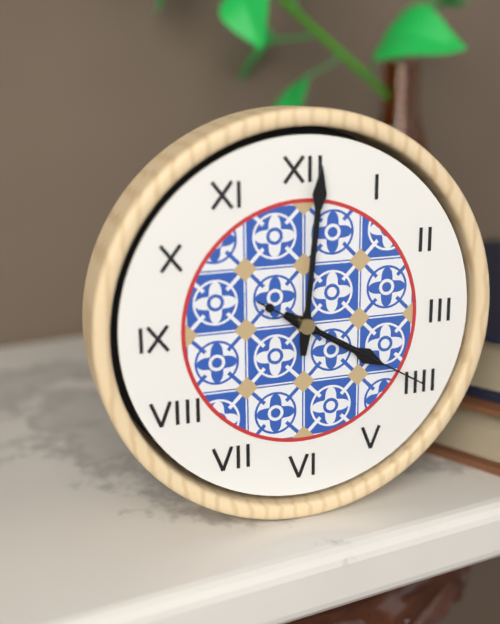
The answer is 4.01.20
